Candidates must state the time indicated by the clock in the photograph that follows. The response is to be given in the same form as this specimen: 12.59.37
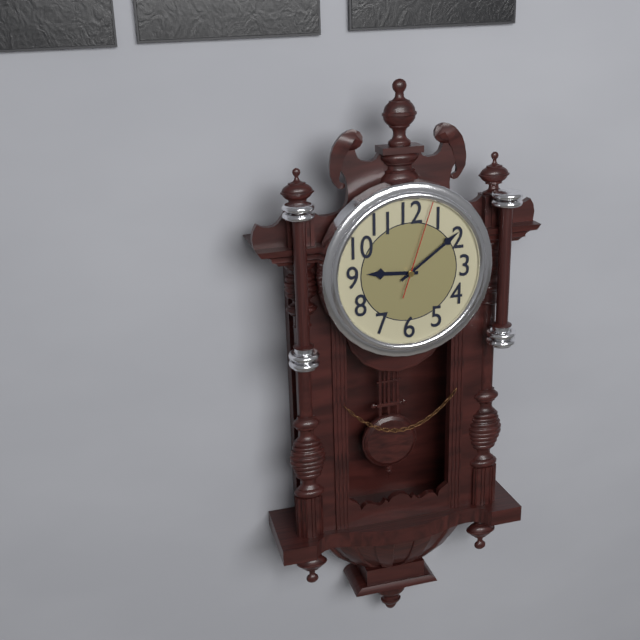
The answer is 9.09.03
